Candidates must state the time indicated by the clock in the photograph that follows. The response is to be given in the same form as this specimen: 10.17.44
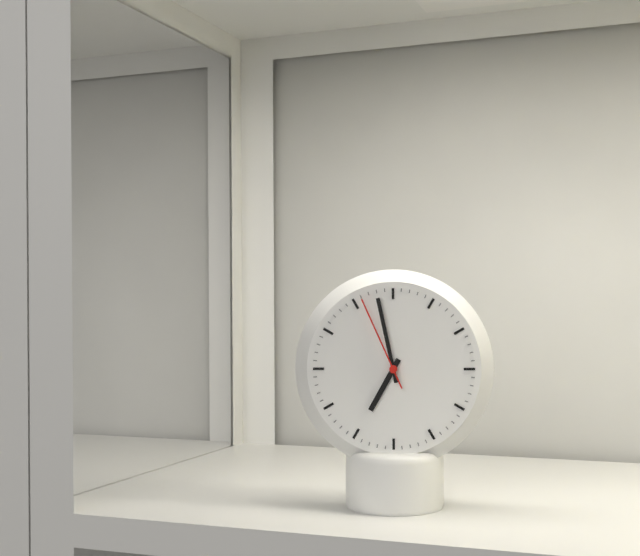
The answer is 6.58.56
